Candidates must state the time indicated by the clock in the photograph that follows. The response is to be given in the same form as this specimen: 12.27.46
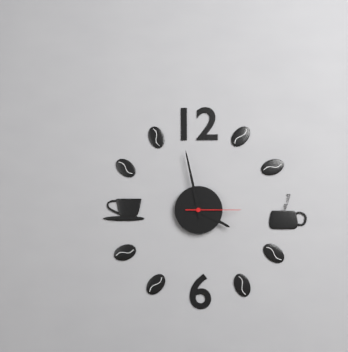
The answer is 3.58.15
